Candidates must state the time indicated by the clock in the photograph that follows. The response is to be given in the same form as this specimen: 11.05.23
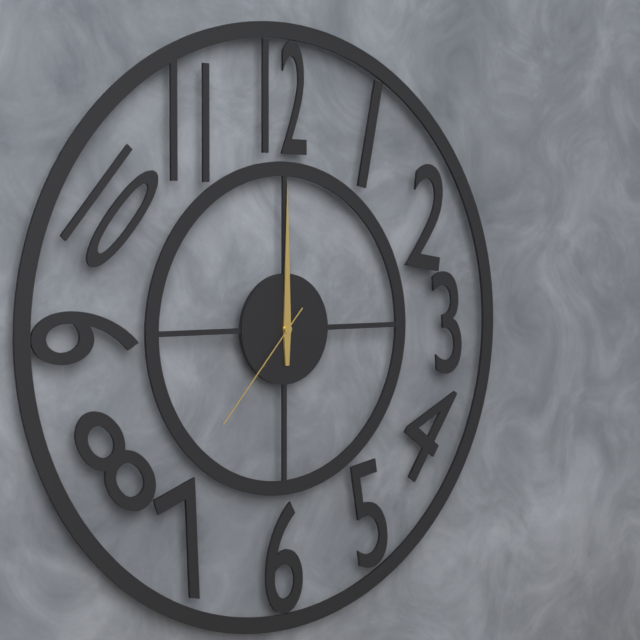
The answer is 12.00.37
